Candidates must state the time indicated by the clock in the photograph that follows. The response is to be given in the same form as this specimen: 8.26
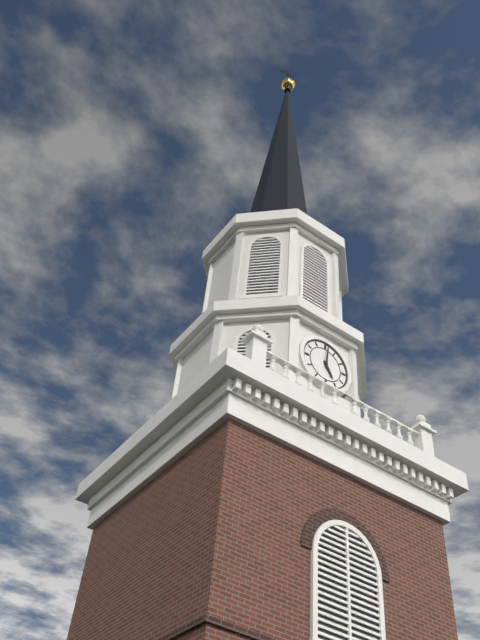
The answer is 5.01
